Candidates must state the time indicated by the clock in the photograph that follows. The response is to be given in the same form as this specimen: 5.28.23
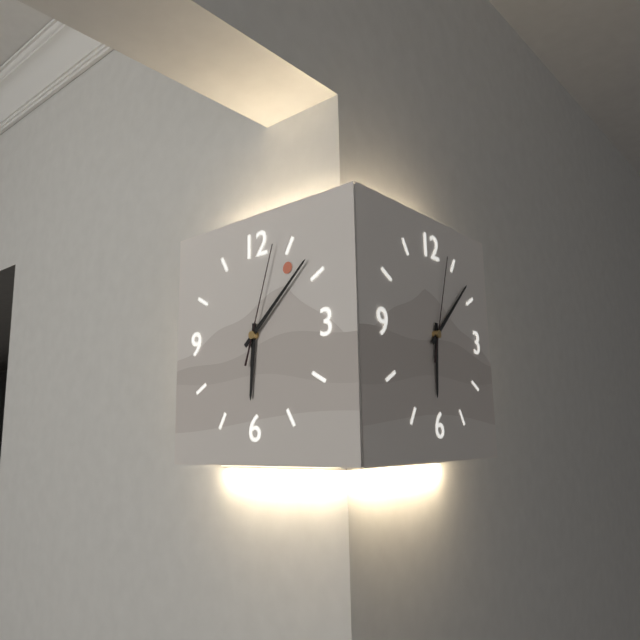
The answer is 6.08.03
